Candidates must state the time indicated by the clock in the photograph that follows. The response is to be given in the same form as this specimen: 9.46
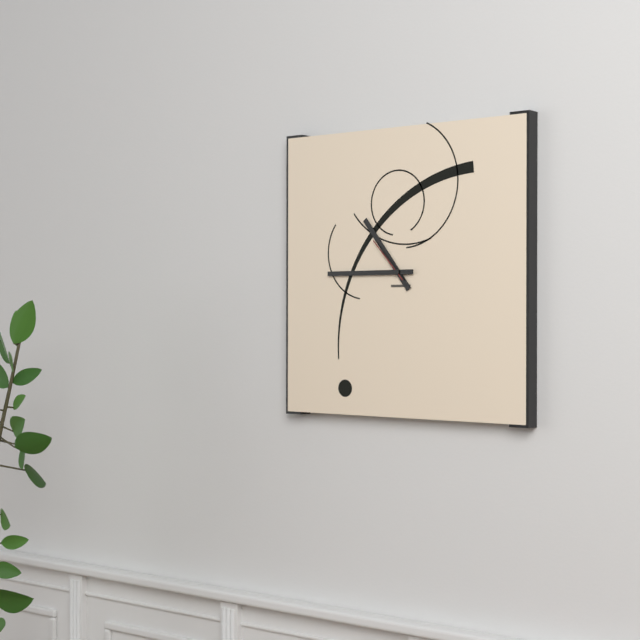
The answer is 10.45
